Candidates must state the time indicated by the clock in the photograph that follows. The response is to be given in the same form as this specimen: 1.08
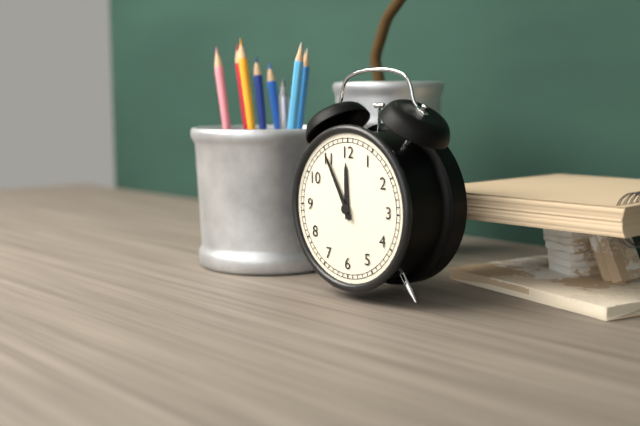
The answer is 11.55
